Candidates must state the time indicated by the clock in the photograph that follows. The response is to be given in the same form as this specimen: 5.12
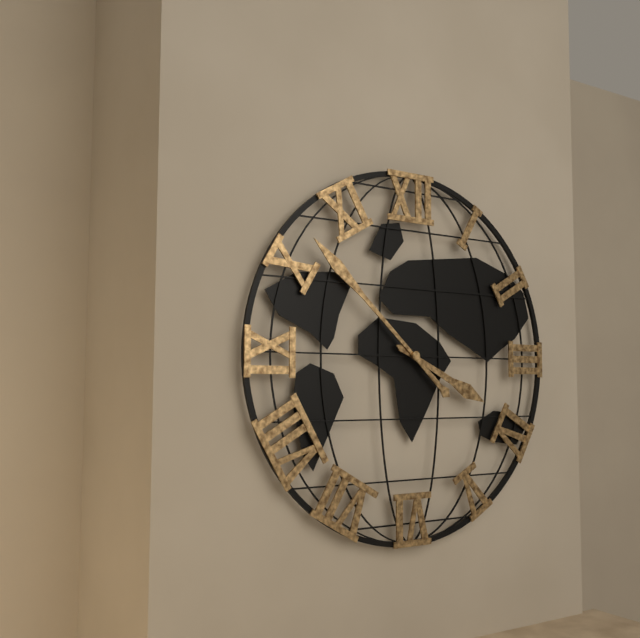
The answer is 3.52
